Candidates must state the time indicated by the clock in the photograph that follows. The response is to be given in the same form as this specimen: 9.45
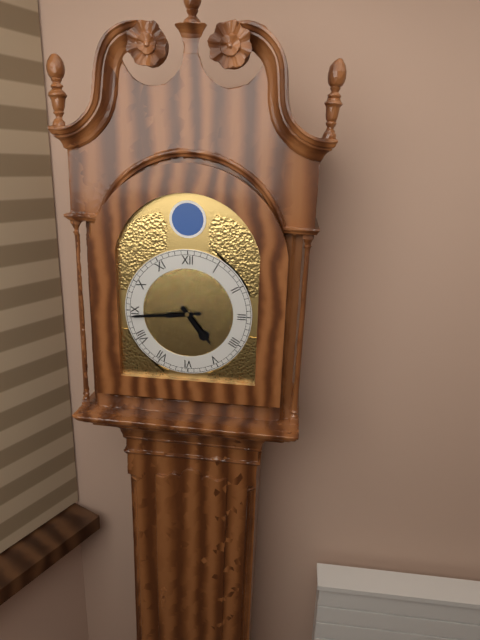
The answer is 4.44
